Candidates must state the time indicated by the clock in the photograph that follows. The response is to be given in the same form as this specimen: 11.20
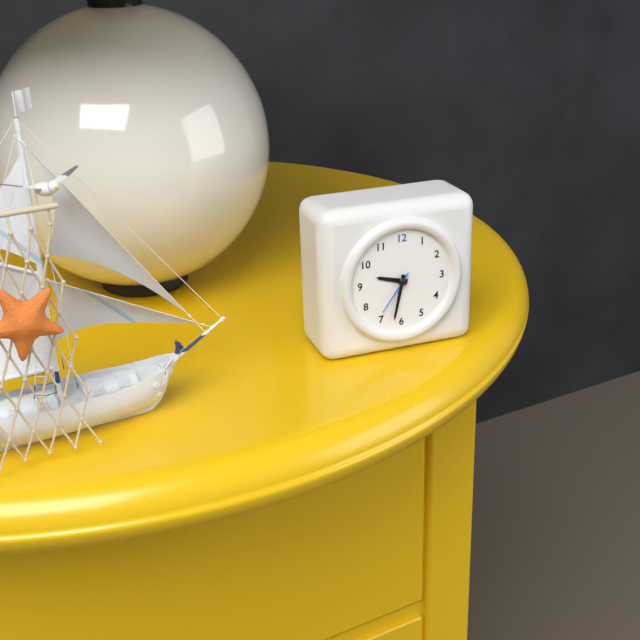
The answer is 9.32
